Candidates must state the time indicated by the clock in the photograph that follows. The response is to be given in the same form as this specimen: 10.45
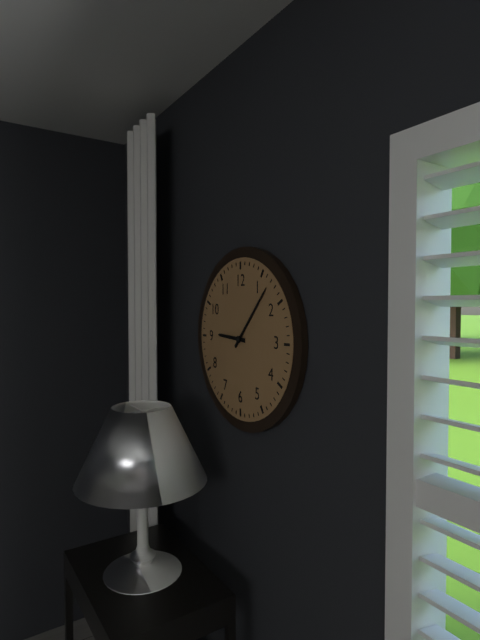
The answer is 9.07
